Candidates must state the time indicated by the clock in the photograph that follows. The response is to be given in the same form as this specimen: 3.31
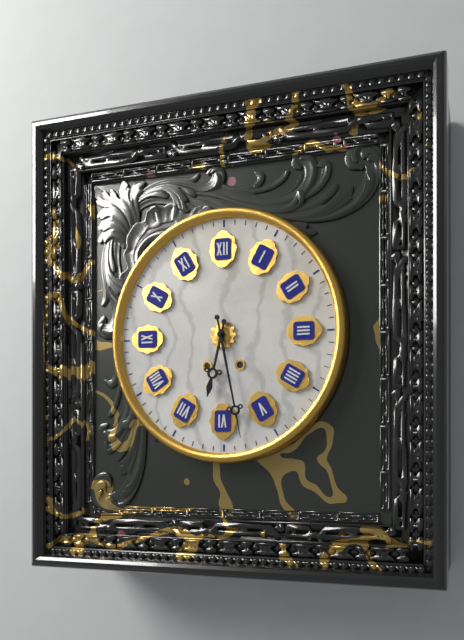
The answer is 6.28
